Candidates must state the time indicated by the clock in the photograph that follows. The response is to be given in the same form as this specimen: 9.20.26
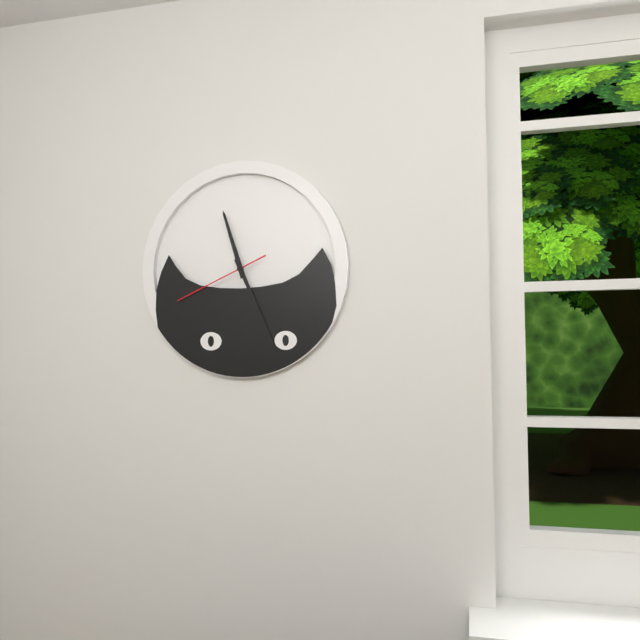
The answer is 11.26.41
